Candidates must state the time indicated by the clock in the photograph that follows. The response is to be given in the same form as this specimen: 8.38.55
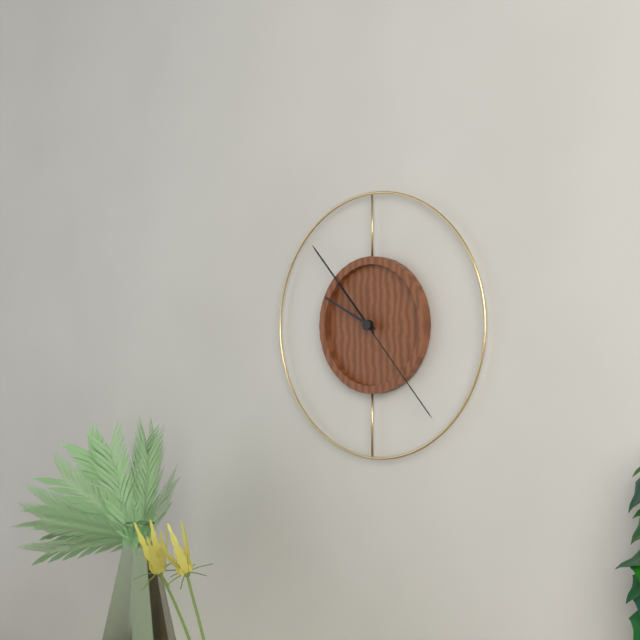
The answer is 9.53.23
